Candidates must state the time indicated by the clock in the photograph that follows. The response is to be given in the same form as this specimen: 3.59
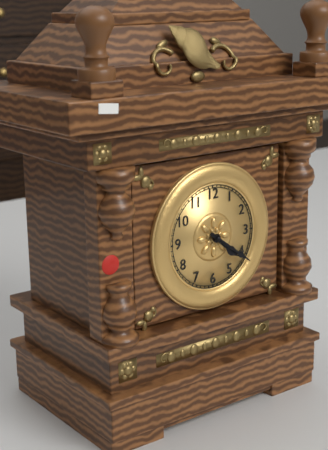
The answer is 4.21
